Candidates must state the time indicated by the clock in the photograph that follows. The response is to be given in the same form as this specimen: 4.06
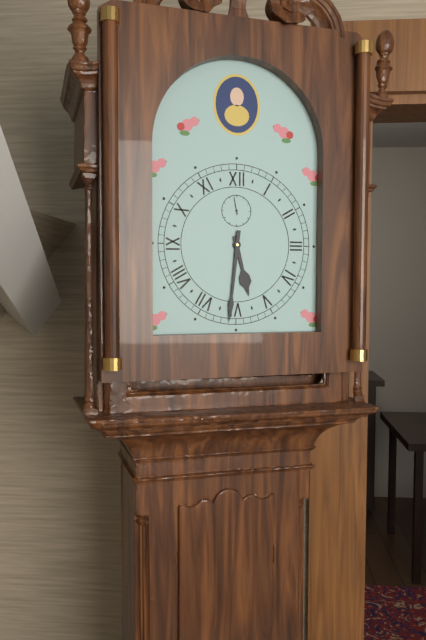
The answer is 5.31
